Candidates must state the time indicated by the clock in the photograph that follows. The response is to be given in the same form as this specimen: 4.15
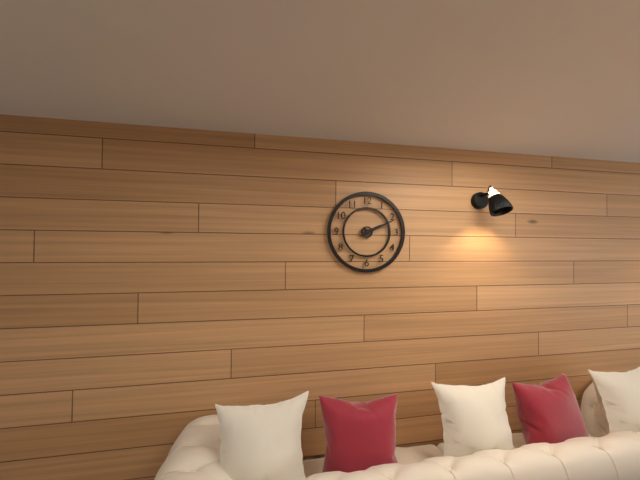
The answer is 2.11
